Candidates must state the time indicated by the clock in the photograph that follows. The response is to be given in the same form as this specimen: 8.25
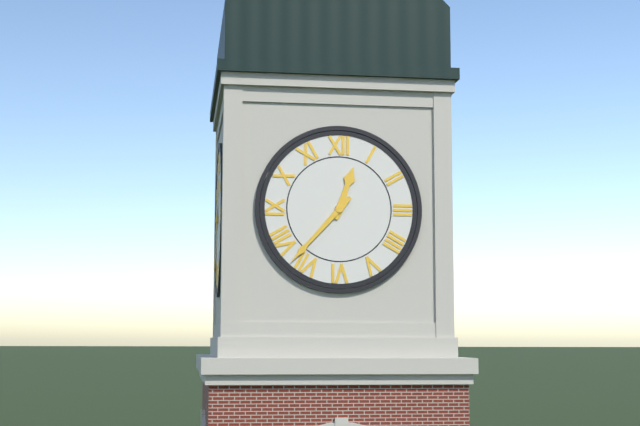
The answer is 12.37
